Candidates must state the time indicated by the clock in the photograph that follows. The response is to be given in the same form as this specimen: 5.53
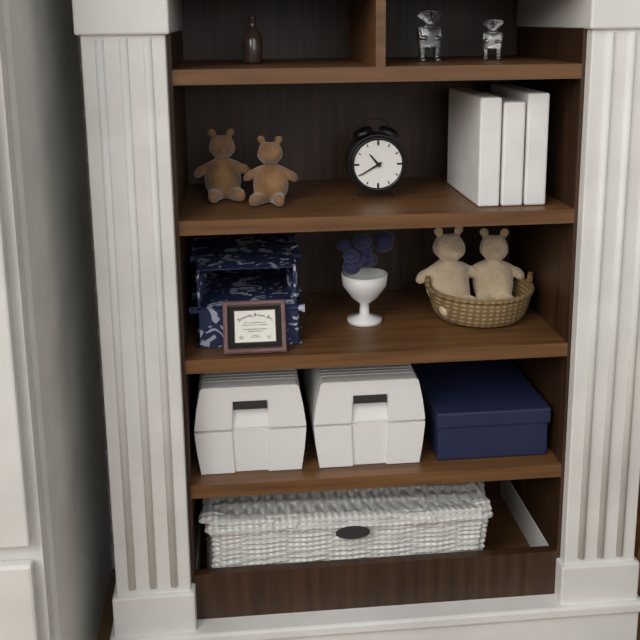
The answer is 10.40
